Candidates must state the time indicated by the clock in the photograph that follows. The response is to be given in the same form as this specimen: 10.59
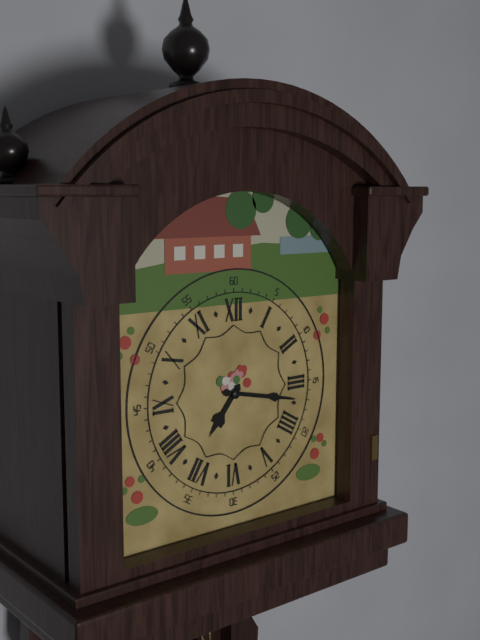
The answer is 7.17
